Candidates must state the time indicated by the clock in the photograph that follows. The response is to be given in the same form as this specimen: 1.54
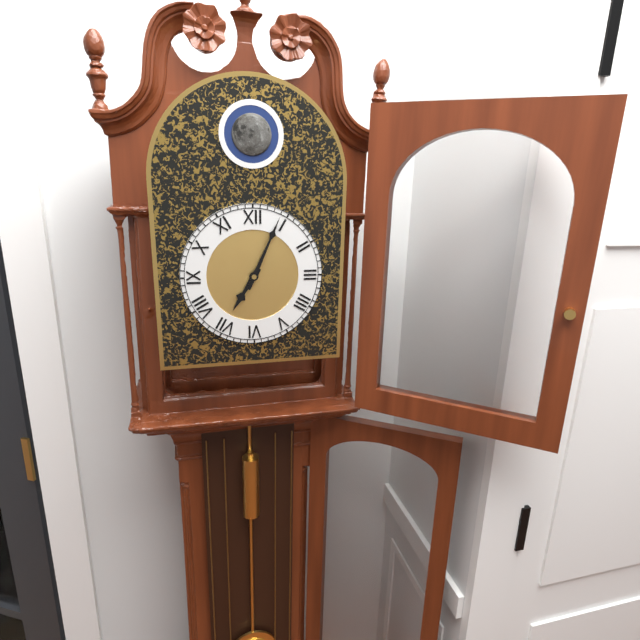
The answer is 7.04
